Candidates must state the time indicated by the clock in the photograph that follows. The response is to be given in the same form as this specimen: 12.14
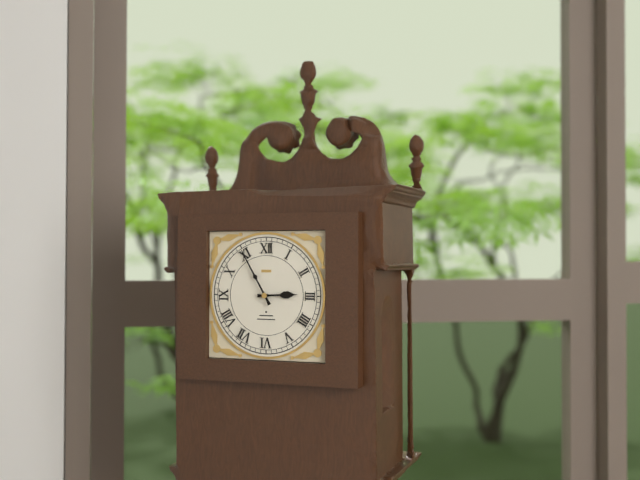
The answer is 2.55
